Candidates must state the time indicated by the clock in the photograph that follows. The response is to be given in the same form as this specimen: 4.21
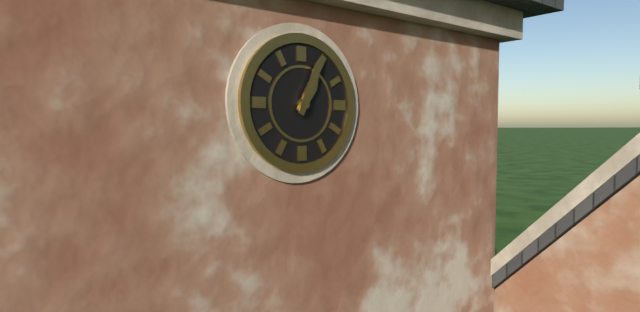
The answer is 1.04
